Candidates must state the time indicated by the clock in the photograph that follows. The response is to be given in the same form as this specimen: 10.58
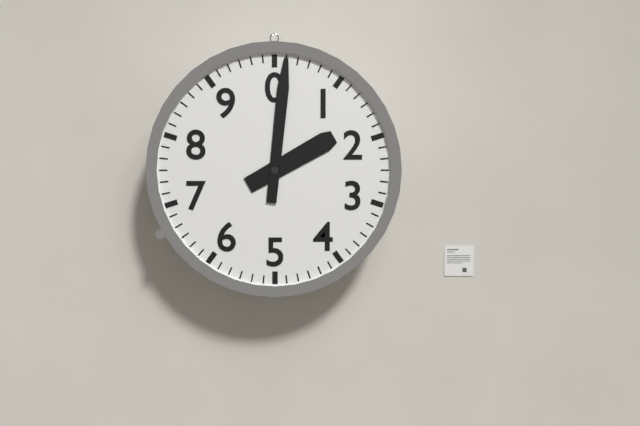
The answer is 2.01
